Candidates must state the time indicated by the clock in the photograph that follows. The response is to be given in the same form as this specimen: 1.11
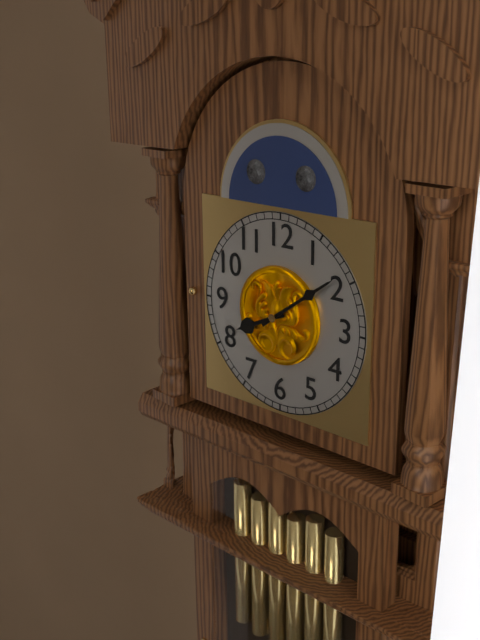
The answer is 8.09
